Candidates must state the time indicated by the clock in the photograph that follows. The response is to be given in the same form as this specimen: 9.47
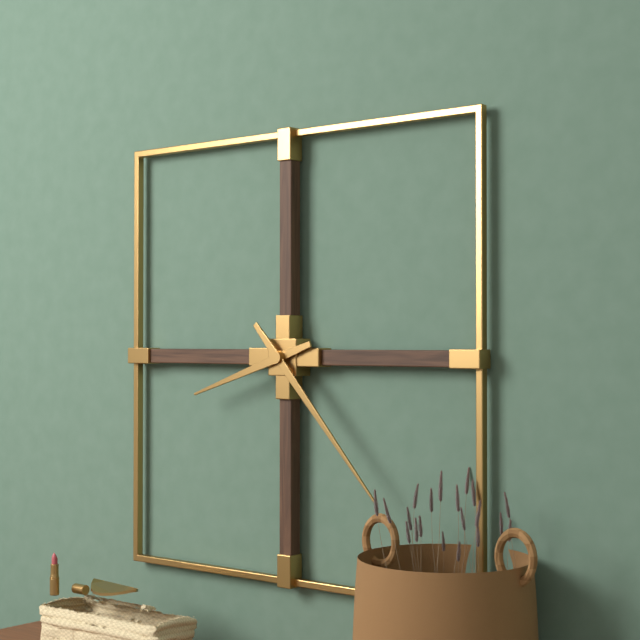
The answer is 8.23
